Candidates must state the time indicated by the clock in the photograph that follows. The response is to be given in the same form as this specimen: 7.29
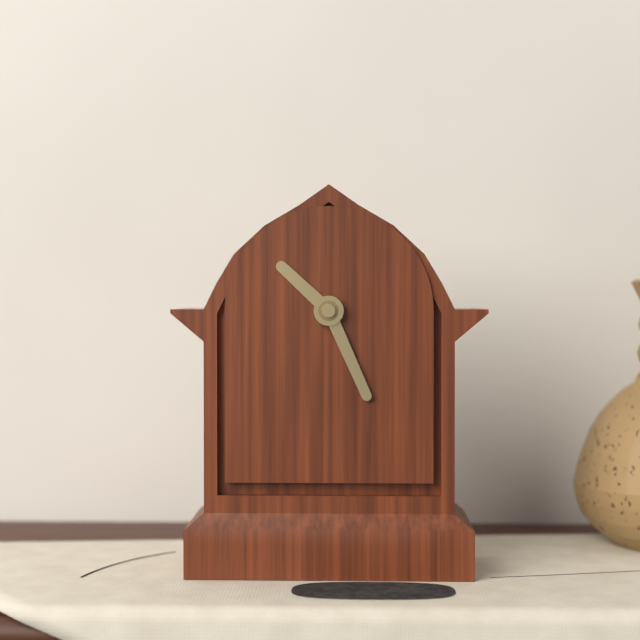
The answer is 10.26
